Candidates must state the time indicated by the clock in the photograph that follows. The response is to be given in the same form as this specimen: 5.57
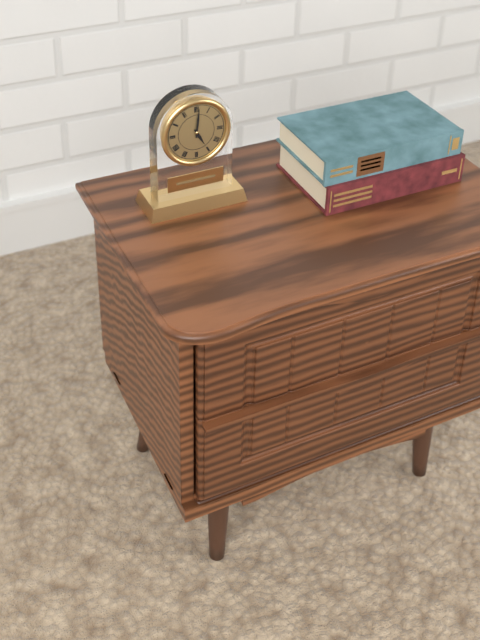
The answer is 5.01
